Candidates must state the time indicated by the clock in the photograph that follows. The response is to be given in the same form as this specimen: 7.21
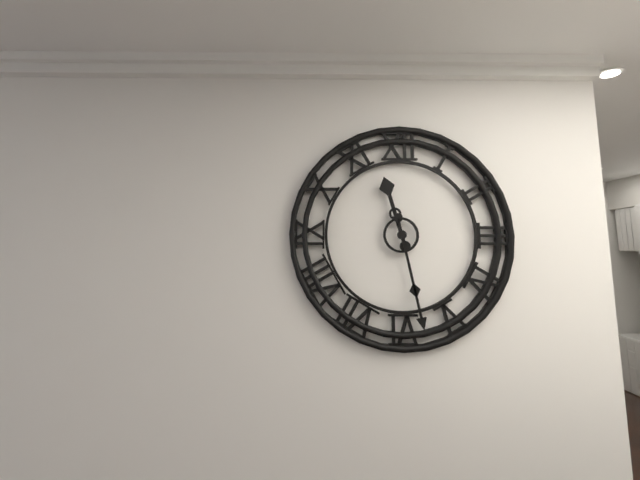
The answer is 11.28
